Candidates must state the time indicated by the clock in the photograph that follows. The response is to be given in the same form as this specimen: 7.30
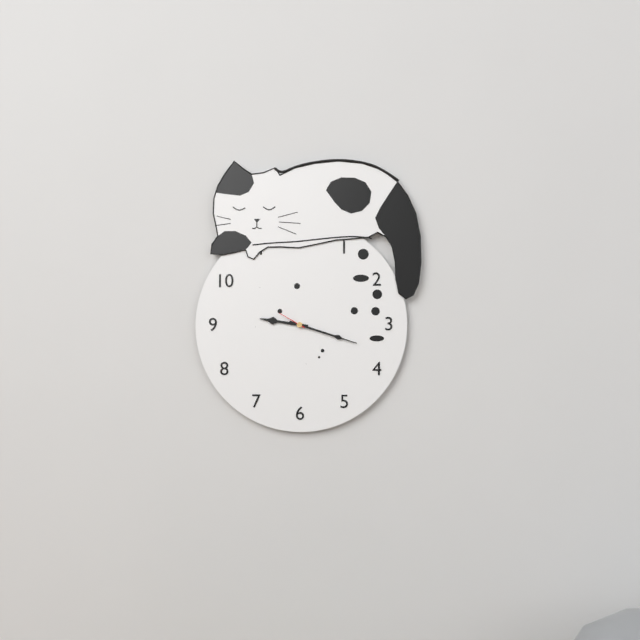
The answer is 9.18
